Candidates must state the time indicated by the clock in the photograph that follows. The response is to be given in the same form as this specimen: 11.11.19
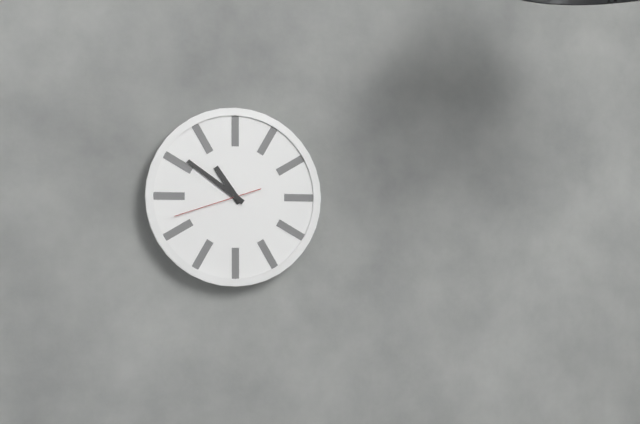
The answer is 10.51.42
